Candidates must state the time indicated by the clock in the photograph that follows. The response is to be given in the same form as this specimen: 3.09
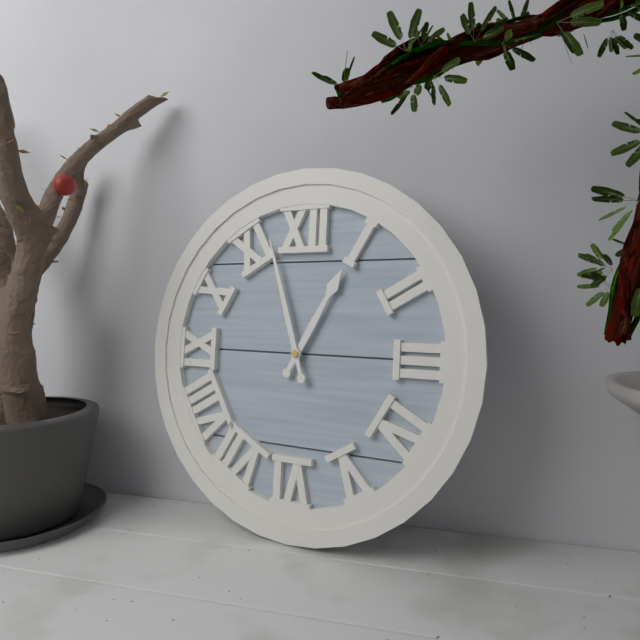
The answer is 12.57
